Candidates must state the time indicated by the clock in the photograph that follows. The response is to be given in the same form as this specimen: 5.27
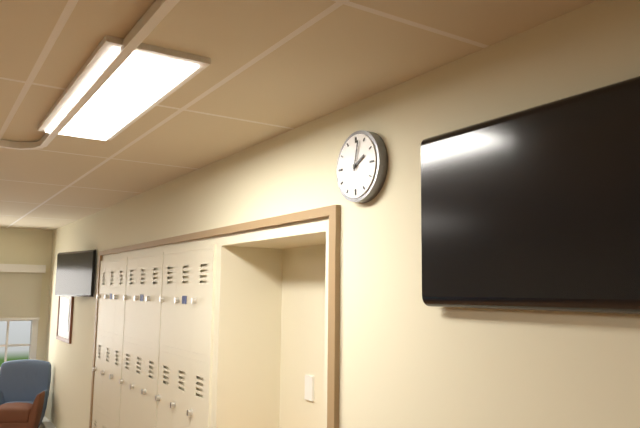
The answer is 2.02
